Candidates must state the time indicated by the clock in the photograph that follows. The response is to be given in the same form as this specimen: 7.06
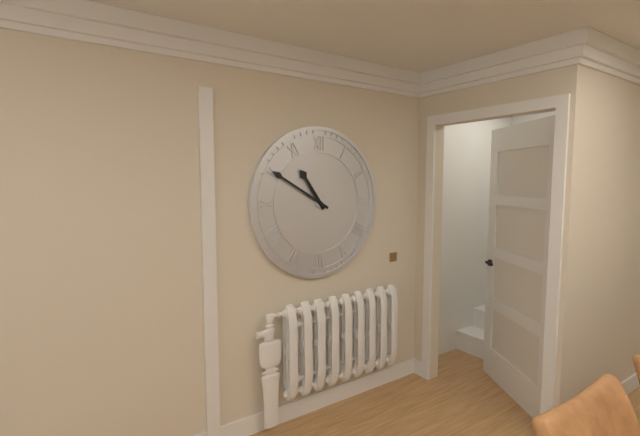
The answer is 10.50
